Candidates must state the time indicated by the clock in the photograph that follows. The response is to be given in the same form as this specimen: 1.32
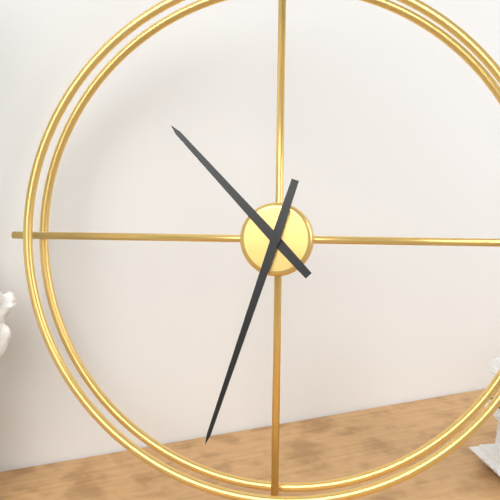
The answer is 10.33
